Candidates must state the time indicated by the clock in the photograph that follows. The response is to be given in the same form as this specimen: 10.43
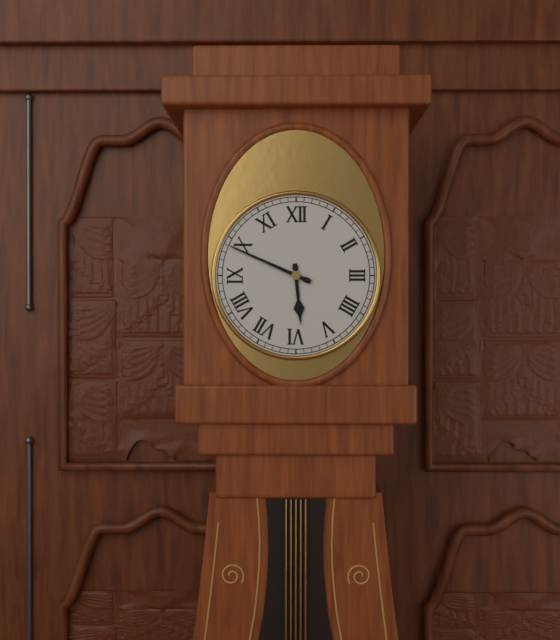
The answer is 5.49
